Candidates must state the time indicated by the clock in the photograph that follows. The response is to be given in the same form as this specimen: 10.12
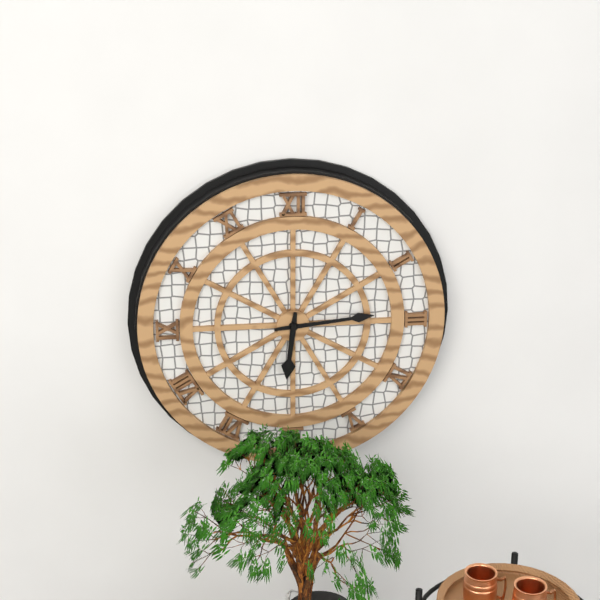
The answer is 6.14
